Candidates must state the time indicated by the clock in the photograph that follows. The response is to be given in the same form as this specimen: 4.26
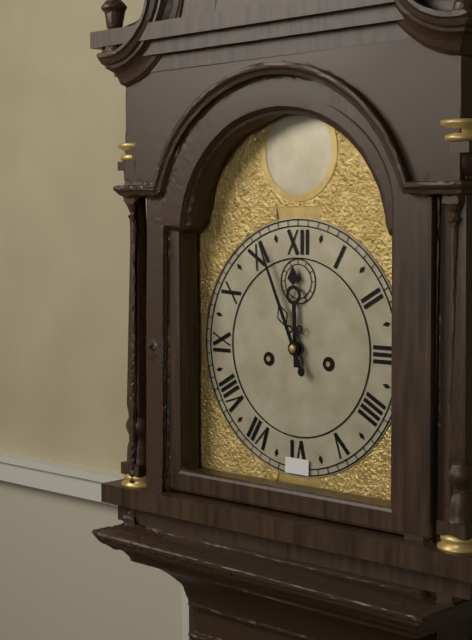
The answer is 11.56
